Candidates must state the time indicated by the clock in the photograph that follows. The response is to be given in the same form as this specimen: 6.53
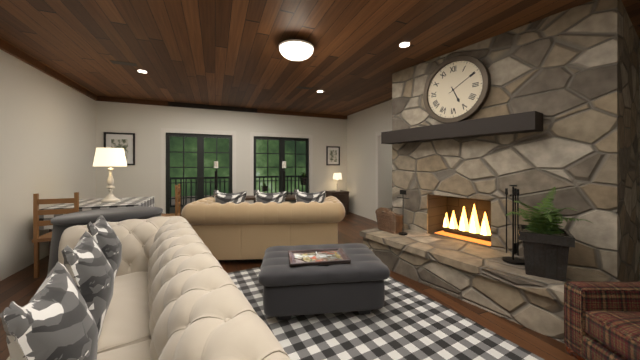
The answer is 5.10
